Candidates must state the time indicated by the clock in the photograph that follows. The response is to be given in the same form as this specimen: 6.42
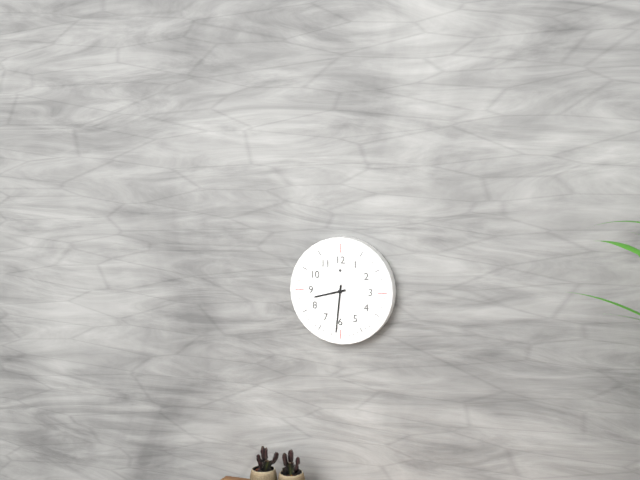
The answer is 8.31
